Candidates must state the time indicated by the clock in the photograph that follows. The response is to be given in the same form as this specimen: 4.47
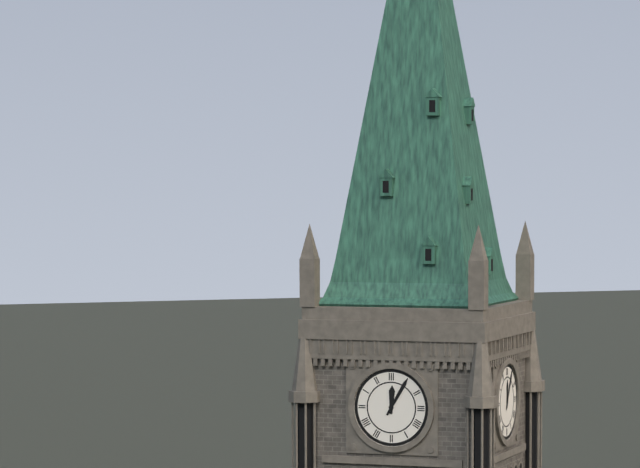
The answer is 12.05
